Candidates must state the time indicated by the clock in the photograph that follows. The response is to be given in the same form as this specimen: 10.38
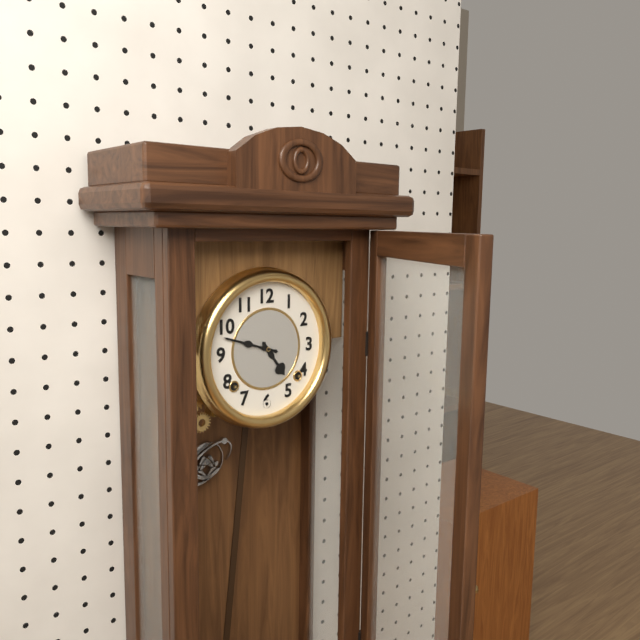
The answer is 4.48
